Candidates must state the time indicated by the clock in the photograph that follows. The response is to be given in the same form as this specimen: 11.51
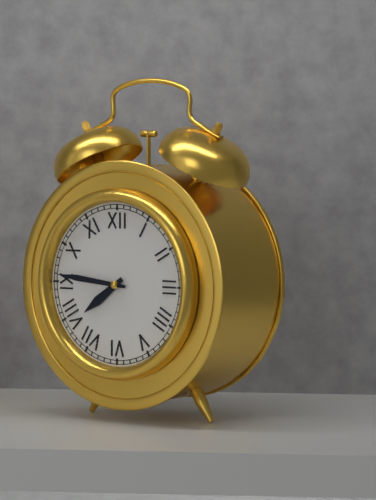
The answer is 7.46
